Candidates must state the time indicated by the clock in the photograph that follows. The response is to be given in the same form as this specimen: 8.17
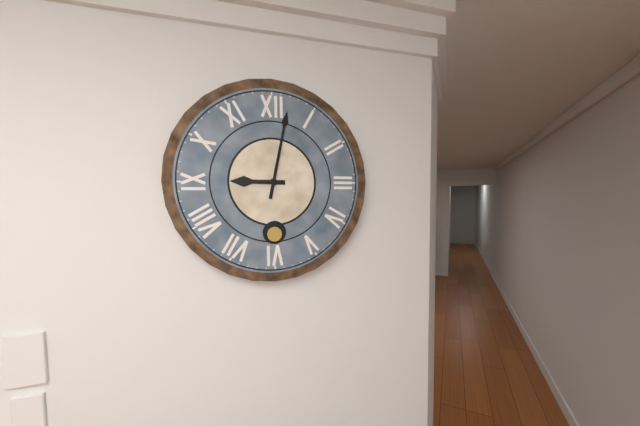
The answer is 9.02
